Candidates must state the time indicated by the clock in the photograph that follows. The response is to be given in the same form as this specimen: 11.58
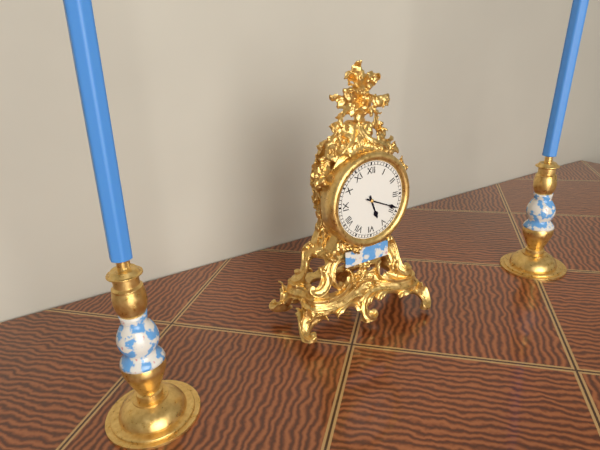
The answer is 5.19
